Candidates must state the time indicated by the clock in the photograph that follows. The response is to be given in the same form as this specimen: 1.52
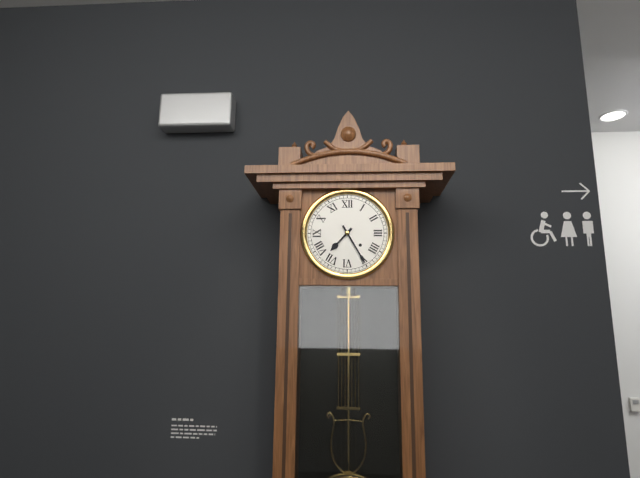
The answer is 7.25
